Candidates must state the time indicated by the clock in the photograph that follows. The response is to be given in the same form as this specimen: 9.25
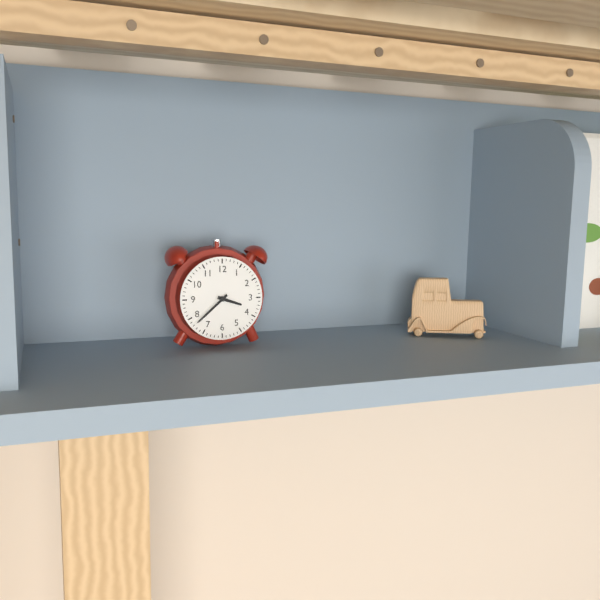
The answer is 3.38
